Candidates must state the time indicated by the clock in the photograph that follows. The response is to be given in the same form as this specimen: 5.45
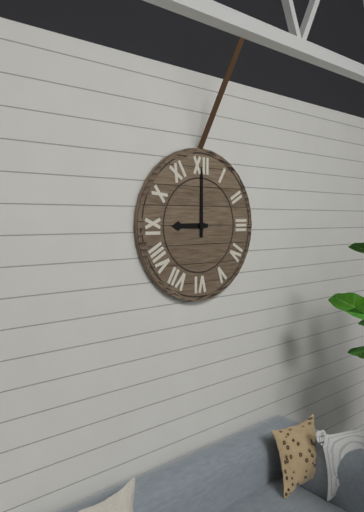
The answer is 9.00
